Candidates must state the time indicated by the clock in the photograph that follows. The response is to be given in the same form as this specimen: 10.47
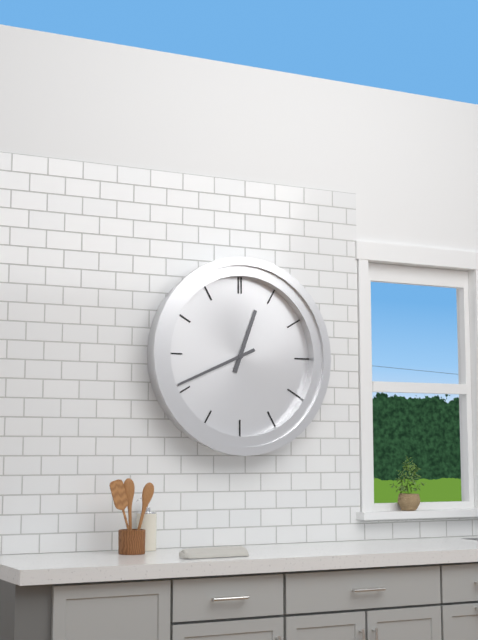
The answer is 12.41
